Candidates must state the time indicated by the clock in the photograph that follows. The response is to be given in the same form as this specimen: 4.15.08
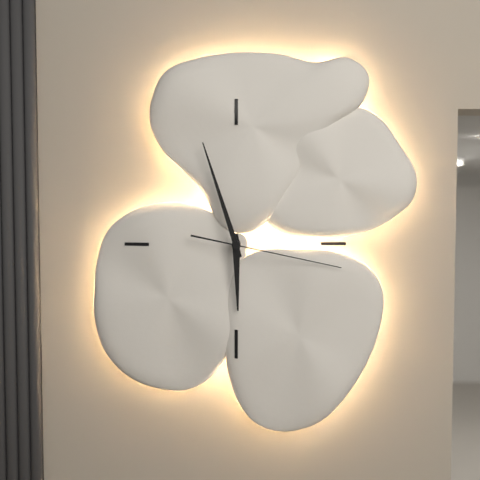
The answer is 5.57.17
